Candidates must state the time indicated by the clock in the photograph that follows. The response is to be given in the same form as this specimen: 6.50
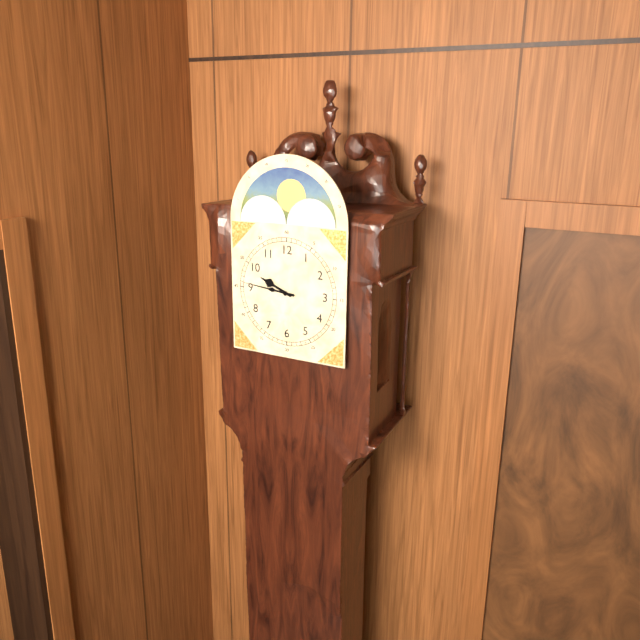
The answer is 9.46
